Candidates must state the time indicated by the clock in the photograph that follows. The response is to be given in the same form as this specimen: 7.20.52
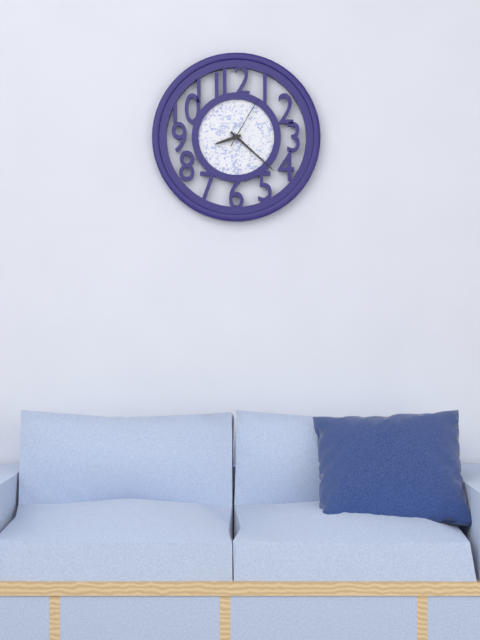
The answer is 8.22.05
